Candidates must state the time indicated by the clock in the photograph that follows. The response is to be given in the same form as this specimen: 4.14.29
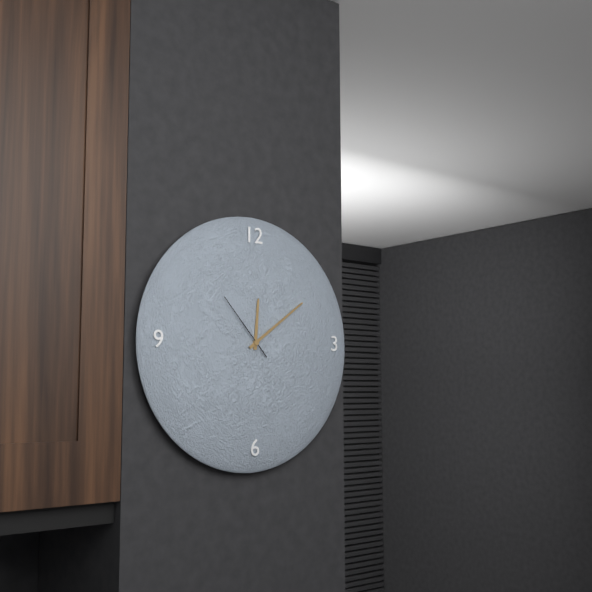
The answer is 12.09.53
